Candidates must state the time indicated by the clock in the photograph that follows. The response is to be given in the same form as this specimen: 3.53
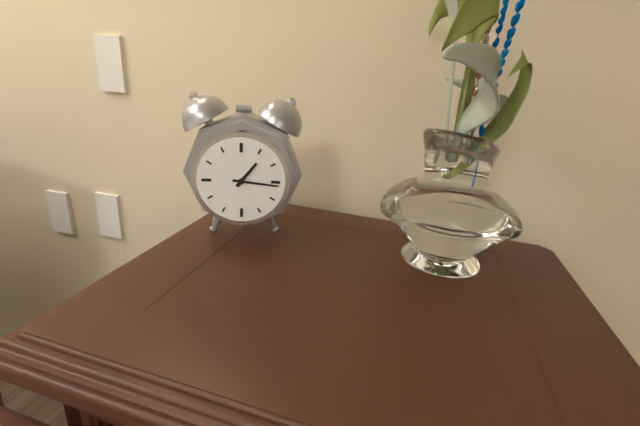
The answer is 1.16
